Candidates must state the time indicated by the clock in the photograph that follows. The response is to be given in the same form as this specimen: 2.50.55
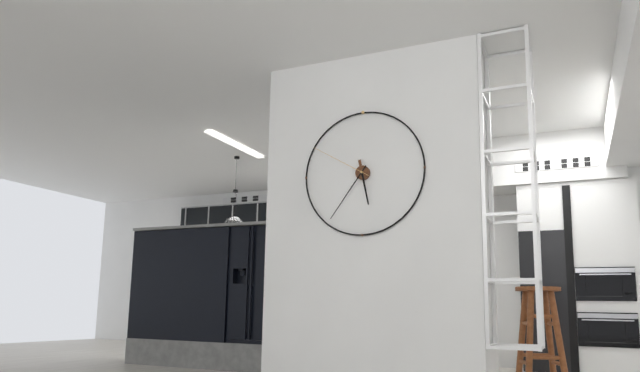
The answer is 5.36.50
